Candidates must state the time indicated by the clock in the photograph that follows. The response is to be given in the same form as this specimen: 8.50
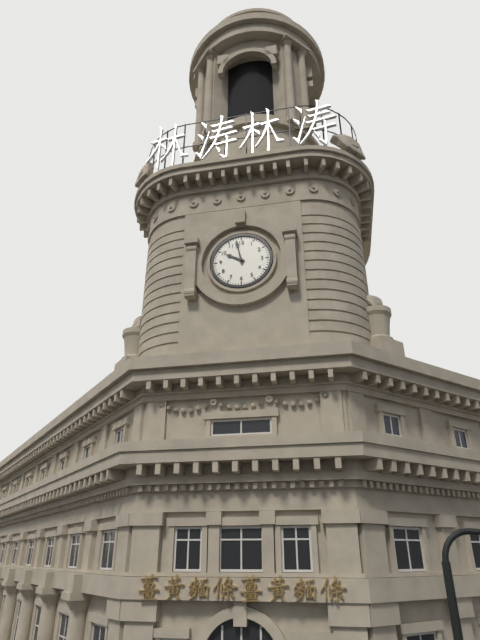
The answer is 9.58
